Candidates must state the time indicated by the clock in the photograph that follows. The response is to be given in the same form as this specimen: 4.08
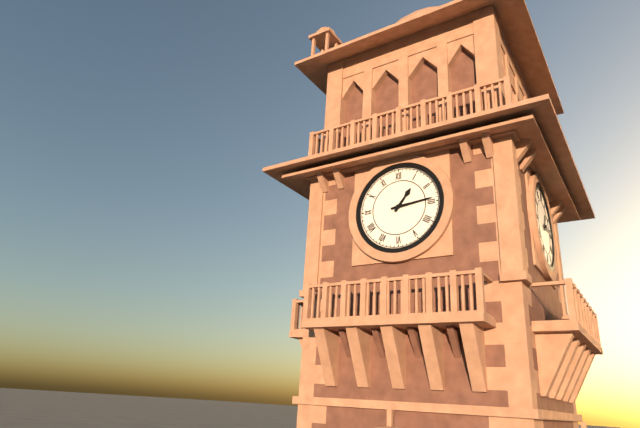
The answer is 1.14
